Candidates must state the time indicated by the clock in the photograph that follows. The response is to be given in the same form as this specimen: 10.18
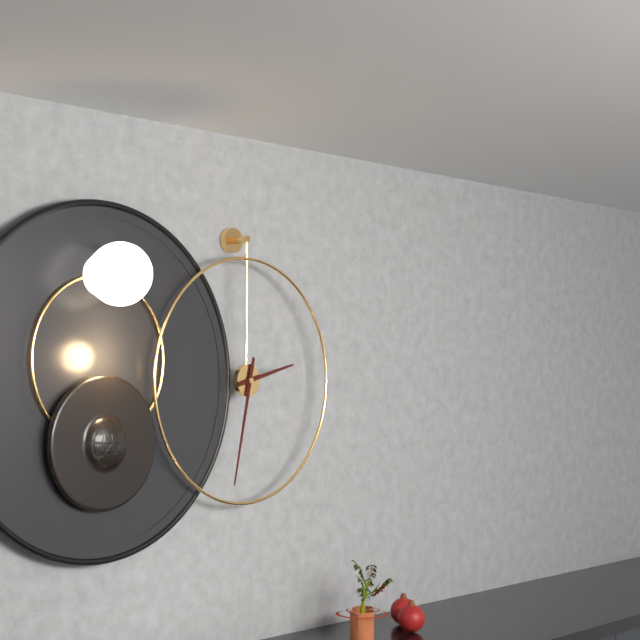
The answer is 2.32
